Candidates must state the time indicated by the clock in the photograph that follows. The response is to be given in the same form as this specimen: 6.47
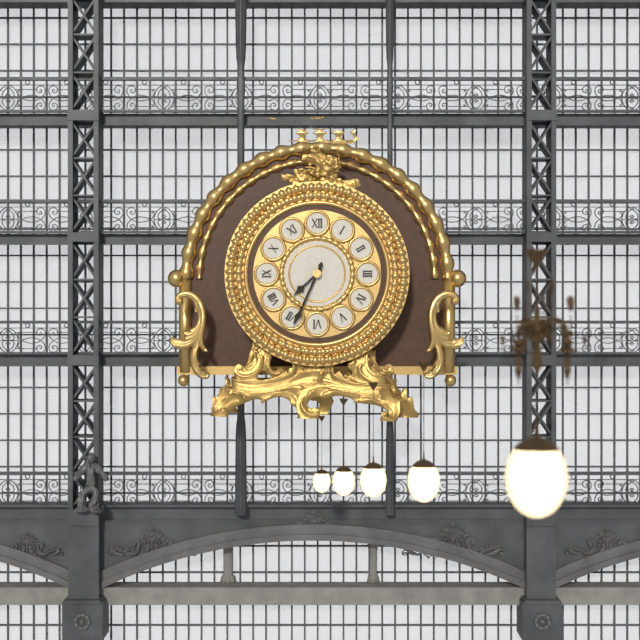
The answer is 7.34
